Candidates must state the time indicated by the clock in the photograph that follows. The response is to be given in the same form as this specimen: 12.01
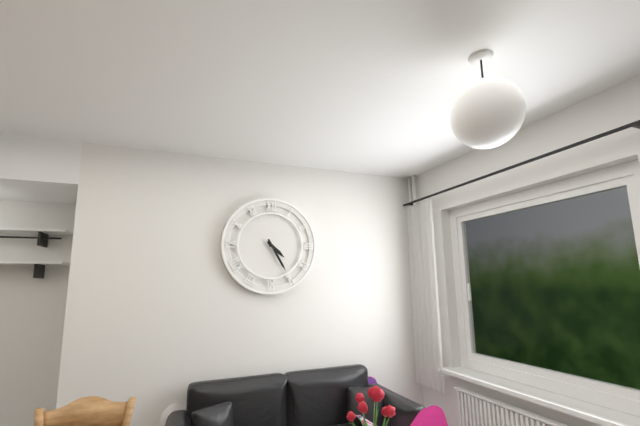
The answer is 4.25
